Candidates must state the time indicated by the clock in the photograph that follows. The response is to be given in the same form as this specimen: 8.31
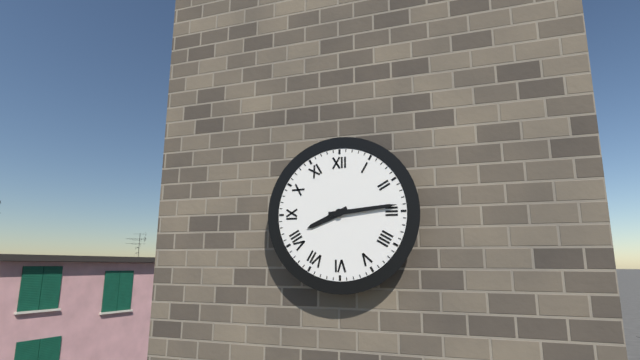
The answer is 8.14
